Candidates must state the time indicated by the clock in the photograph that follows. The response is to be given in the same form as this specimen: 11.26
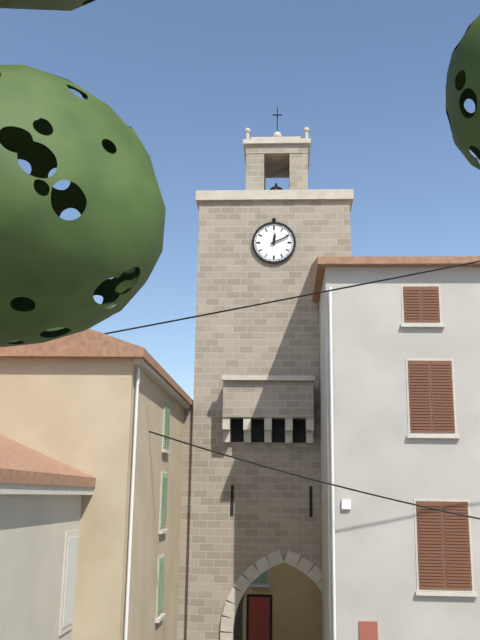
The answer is 12.11
